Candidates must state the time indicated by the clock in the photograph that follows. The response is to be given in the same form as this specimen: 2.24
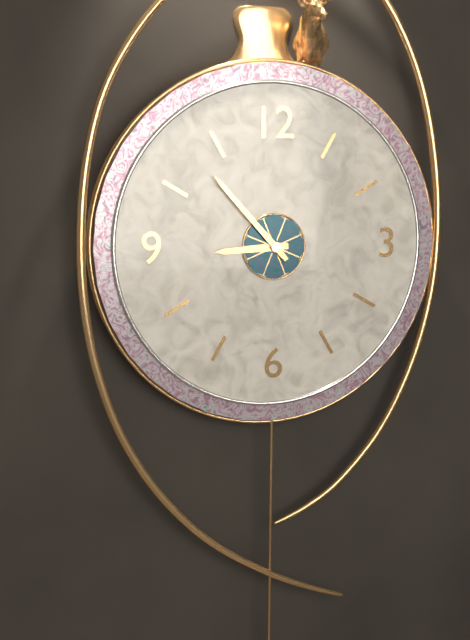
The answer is 8.53
